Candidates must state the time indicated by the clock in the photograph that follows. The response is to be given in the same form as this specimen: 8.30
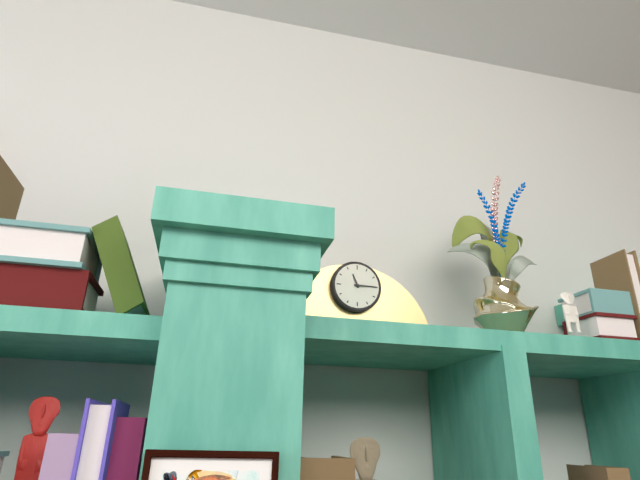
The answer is 11.15
